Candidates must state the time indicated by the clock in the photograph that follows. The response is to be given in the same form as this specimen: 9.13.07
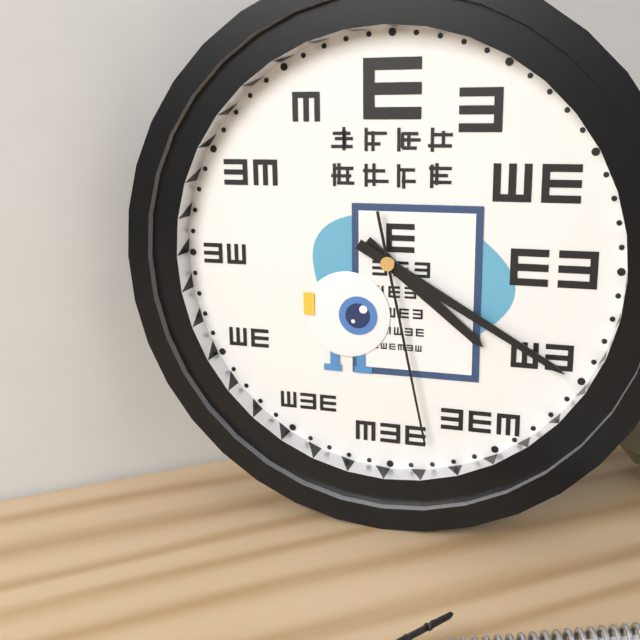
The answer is 4.20.28
